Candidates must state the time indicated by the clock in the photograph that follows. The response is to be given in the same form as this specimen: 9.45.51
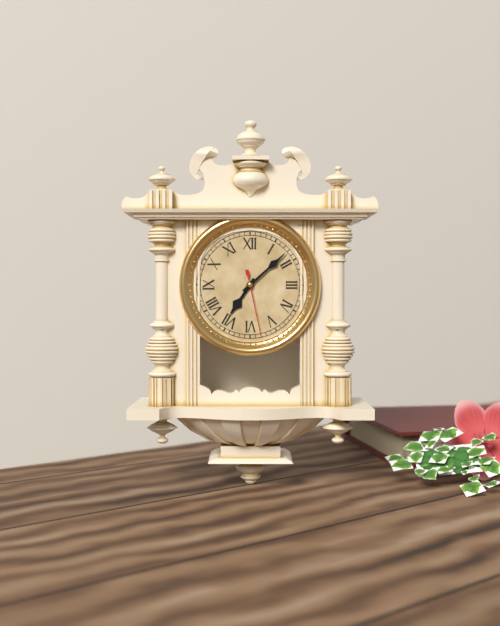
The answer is 7.08.28
